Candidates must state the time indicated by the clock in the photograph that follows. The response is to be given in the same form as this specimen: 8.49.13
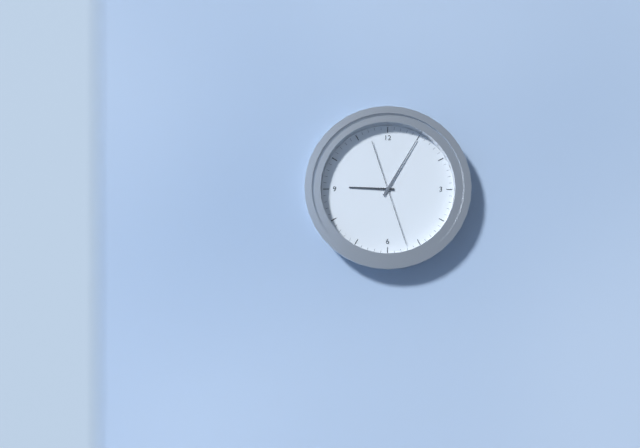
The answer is 9.05.27
